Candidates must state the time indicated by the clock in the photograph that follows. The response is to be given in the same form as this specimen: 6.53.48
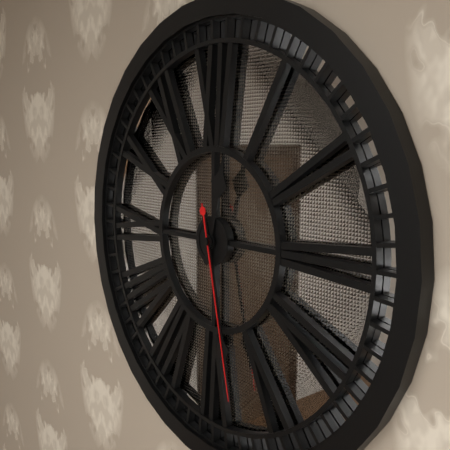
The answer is 12.28.28
